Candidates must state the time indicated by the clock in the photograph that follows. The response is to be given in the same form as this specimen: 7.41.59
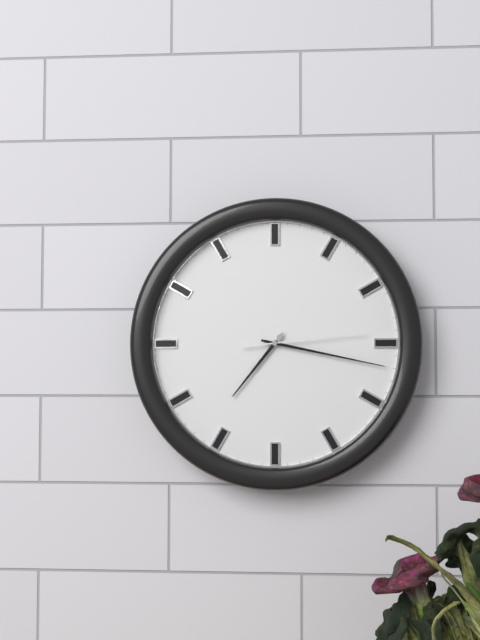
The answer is 7.17.14
